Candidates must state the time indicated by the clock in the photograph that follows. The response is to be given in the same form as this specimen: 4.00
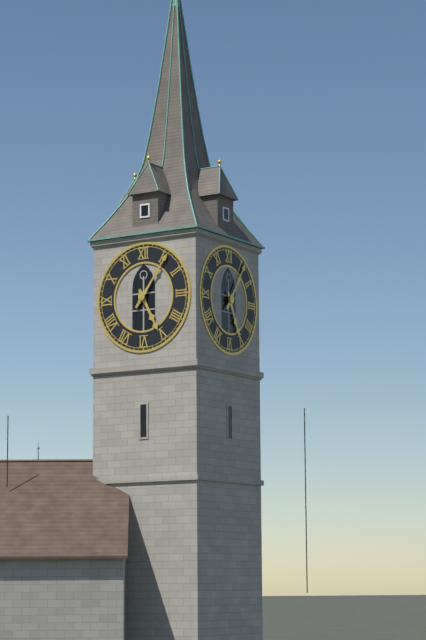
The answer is 5.06
